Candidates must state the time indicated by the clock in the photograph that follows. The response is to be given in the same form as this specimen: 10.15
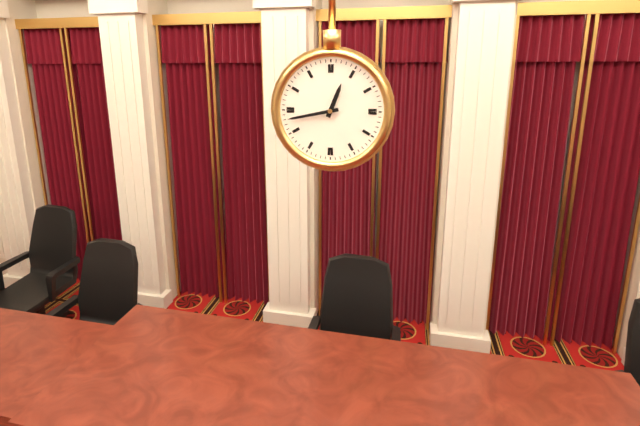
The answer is 12.43
